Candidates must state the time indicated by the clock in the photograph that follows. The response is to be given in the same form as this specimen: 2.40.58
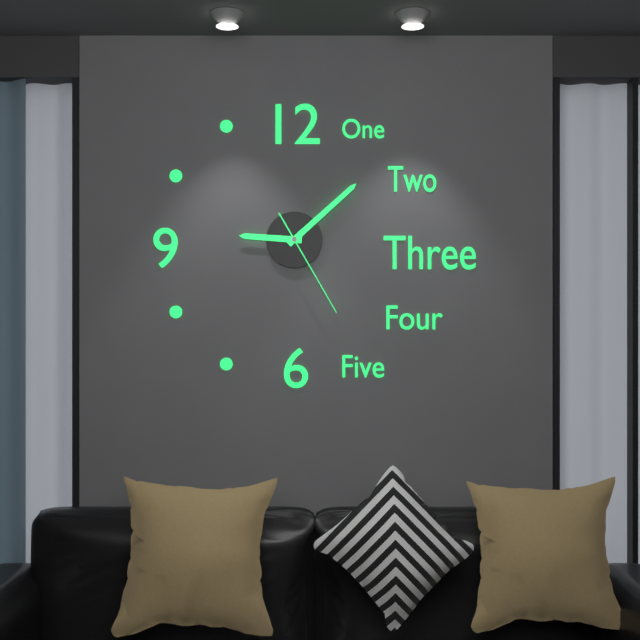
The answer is 9.08.25
